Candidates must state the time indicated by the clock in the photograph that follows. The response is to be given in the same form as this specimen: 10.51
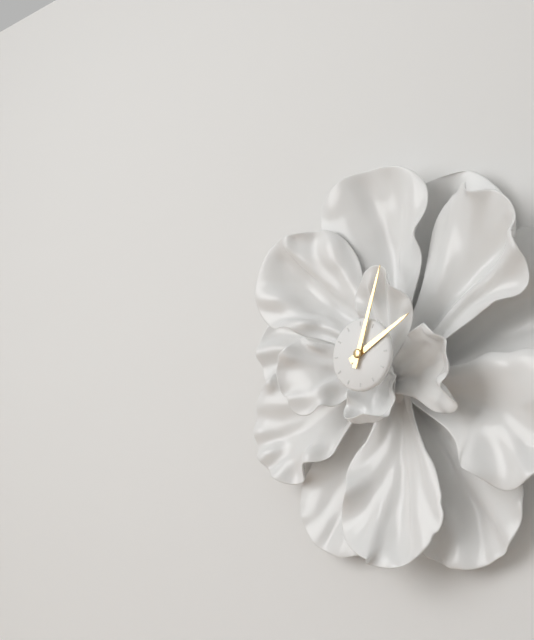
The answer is 2.03
